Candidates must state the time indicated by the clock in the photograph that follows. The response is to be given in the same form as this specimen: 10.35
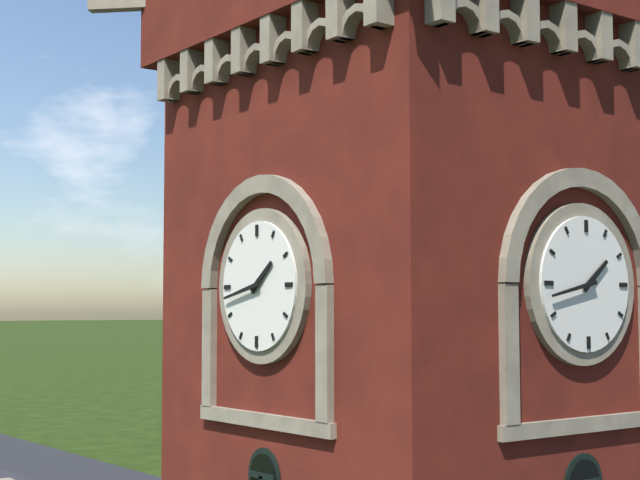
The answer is 1.43
